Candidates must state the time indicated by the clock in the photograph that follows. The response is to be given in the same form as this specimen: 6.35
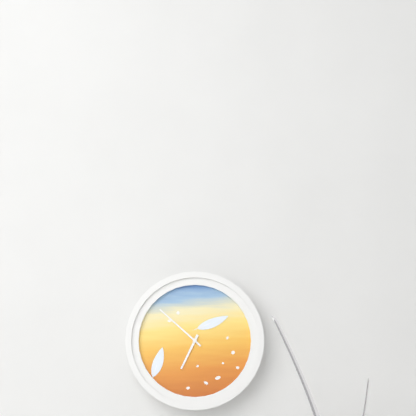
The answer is 6.52
